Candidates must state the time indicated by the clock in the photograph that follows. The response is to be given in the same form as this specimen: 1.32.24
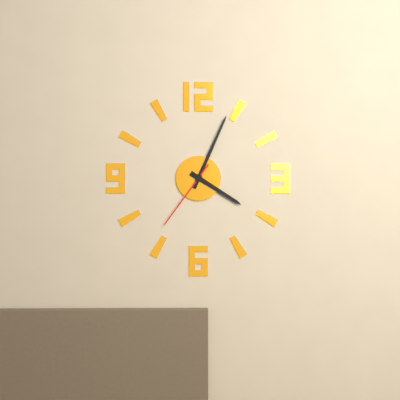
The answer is 4.04.36
